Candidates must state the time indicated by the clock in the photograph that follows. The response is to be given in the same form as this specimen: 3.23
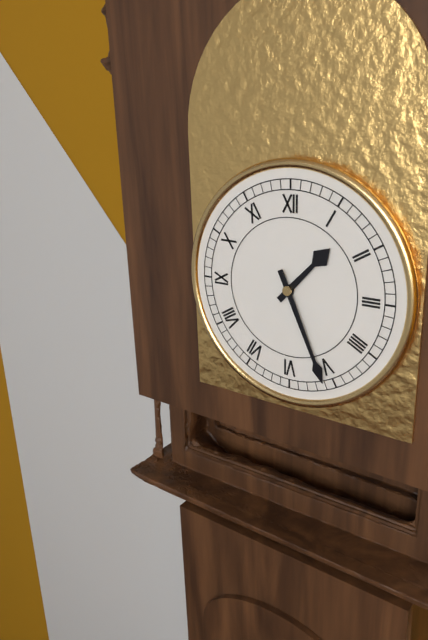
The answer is 1.26
